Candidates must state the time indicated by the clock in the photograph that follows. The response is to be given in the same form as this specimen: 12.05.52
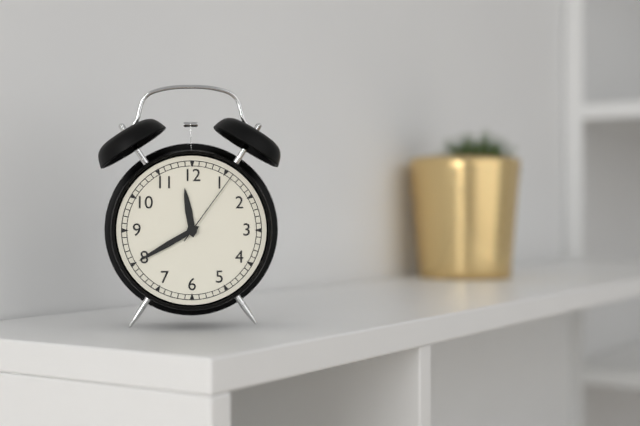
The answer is 11.40.06
